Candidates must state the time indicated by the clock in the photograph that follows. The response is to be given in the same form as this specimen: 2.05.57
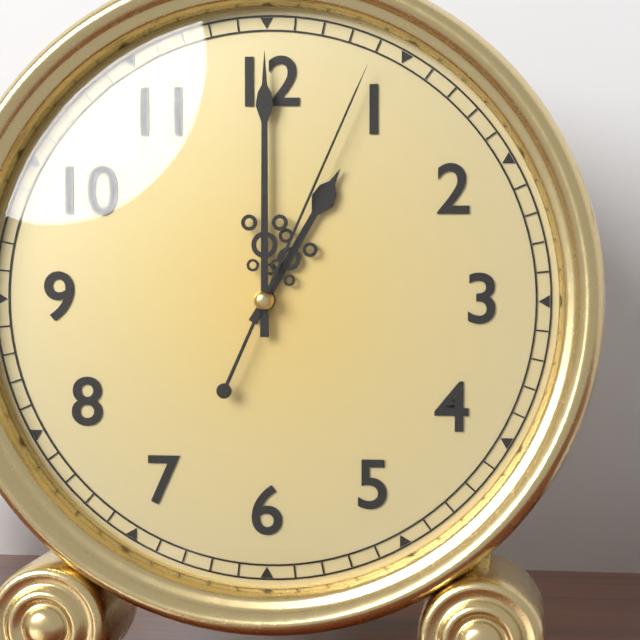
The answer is 1.00.04
